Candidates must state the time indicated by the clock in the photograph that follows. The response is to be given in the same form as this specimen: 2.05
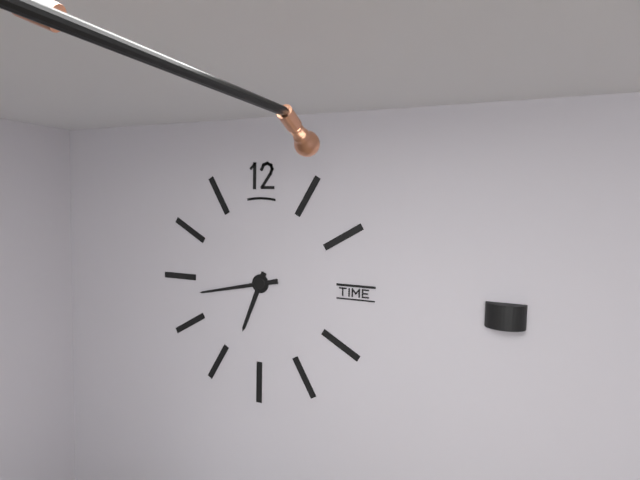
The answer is 6.43
